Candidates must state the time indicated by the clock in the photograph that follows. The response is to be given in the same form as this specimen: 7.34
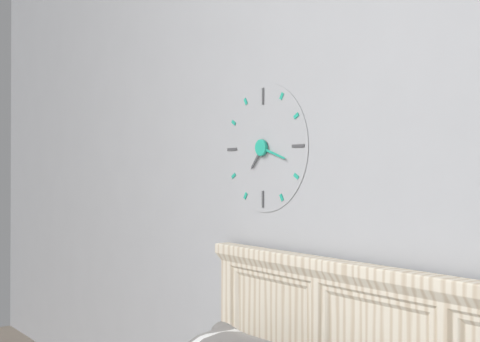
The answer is 7.18
